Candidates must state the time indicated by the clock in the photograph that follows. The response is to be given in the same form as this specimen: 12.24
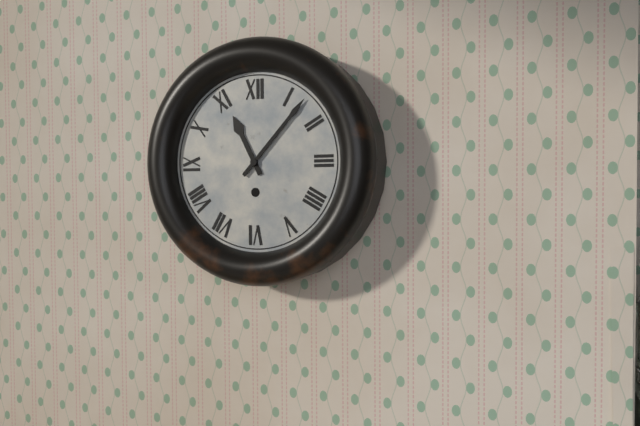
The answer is 11.07
